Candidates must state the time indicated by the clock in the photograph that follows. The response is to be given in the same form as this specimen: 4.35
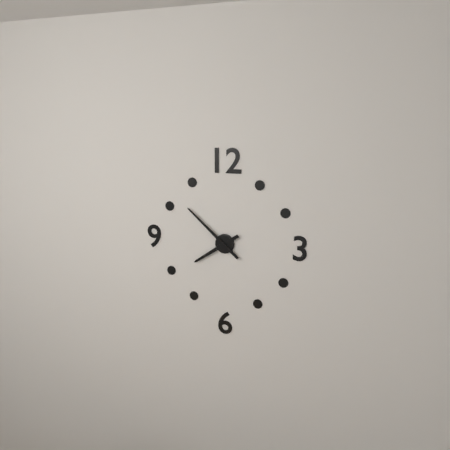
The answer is 7.52
